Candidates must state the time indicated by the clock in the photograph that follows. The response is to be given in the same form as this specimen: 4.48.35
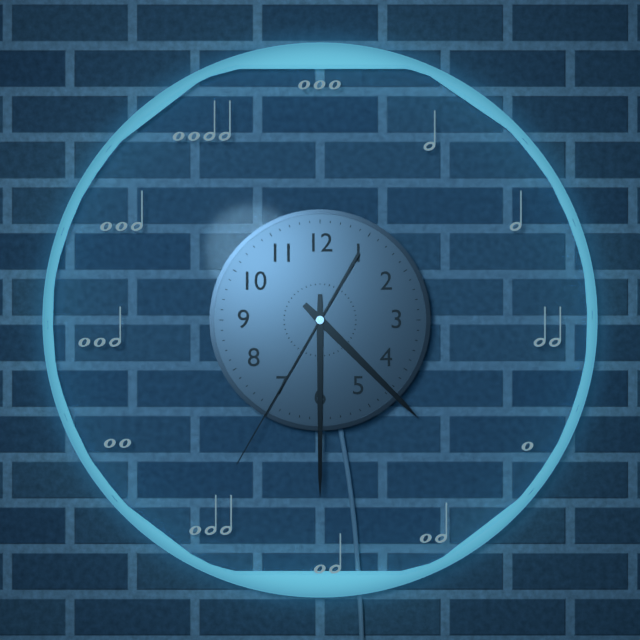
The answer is 4.30.35
